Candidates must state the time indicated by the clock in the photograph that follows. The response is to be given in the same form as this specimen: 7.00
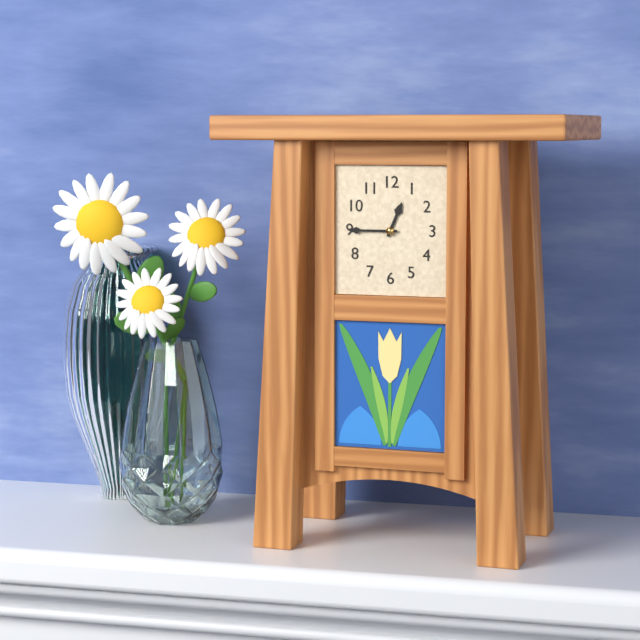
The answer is 12.45
